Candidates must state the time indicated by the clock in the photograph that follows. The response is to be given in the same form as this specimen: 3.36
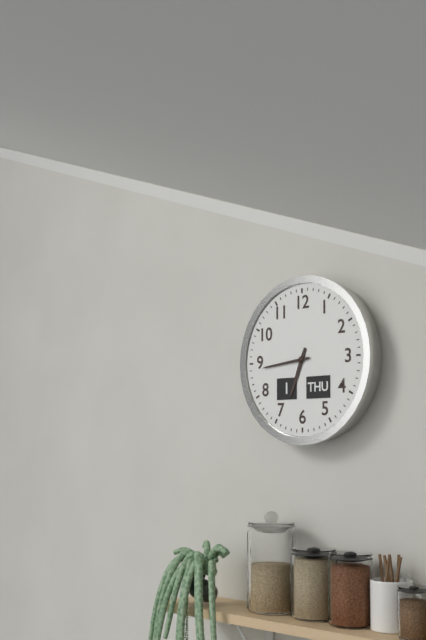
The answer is 6.44
